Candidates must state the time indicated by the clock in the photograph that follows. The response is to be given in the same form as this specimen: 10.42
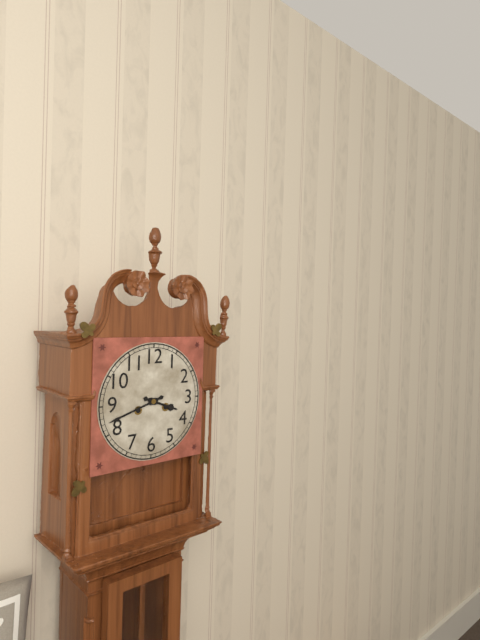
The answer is 3.42
